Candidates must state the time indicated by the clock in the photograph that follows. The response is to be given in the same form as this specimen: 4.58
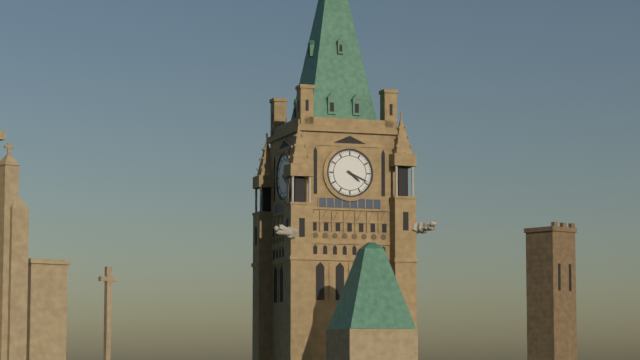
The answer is 4.19
